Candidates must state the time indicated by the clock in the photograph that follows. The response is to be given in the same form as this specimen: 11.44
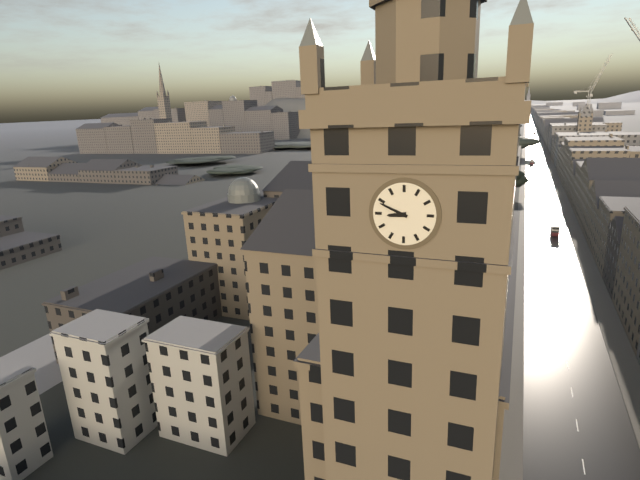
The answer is 8.49
